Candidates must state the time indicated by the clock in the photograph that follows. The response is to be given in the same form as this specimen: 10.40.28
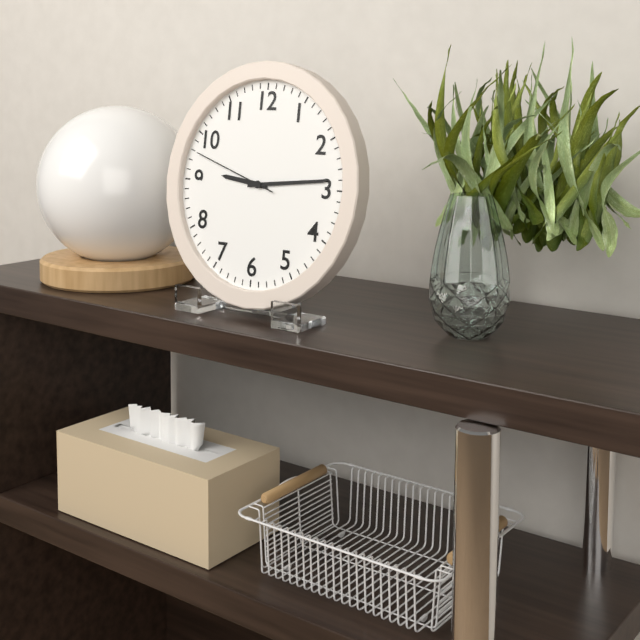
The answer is 9.14.48
